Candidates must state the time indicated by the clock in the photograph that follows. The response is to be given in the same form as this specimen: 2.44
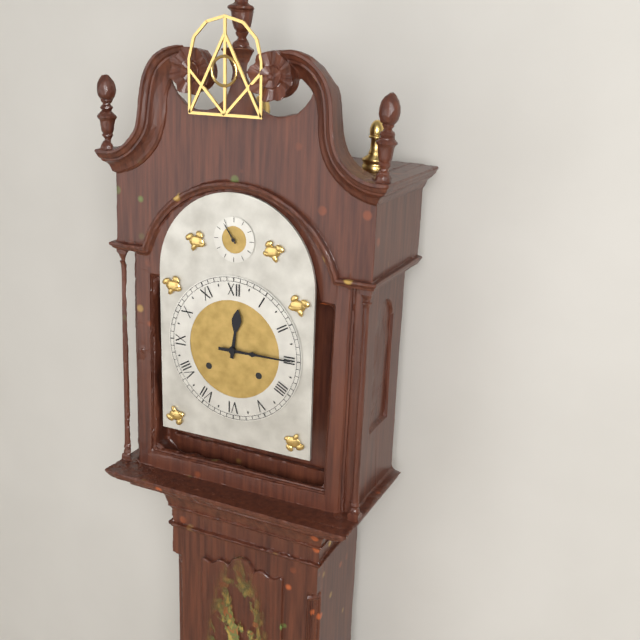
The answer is 12.15
